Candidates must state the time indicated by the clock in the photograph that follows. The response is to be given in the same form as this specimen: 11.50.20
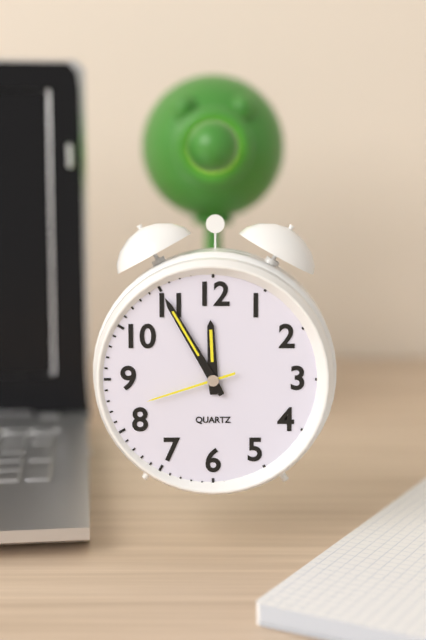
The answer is 11.55.42
